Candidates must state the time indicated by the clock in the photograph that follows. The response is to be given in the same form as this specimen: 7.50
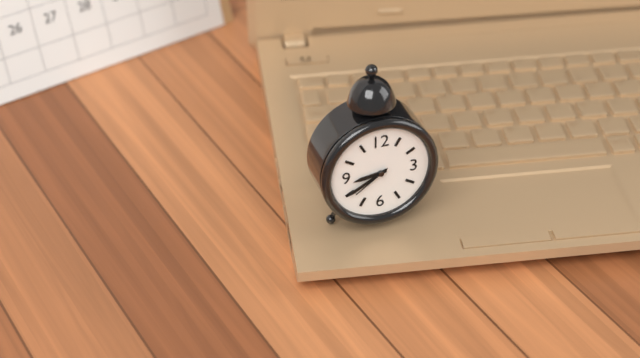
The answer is 8.40
